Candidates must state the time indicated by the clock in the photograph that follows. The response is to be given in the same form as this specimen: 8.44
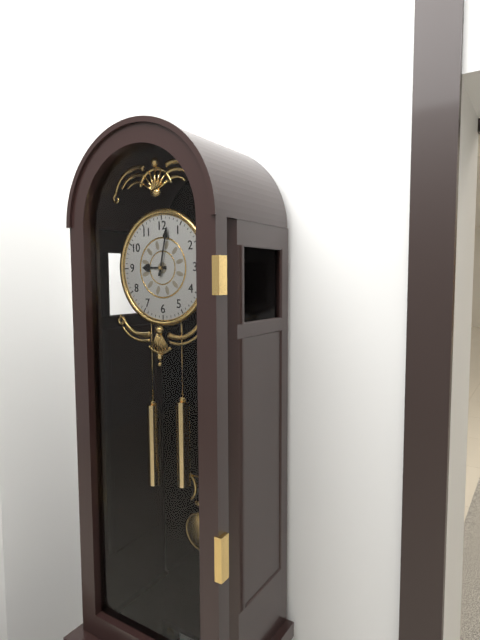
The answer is 9.02
